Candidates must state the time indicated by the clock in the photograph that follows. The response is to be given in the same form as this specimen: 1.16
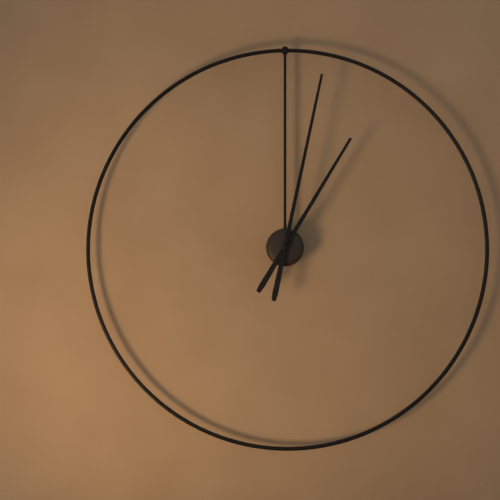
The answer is 1.02
